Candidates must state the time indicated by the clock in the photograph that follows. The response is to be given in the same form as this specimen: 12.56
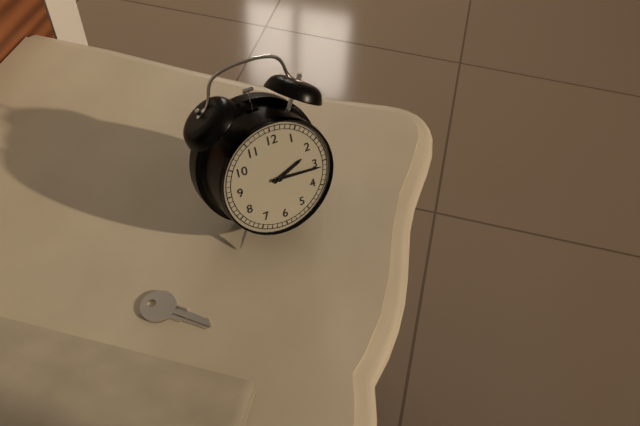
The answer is 2.16
